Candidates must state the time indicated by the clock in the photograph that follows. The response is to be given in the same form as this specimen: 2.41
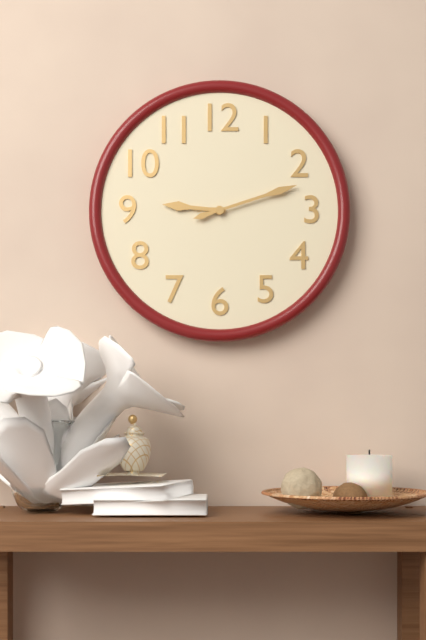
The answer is 9.12
